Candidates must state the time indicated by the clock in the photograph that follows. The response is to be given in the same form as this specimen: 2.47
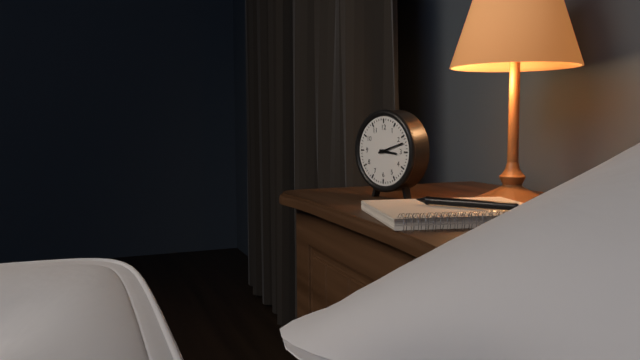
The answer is 3.12
